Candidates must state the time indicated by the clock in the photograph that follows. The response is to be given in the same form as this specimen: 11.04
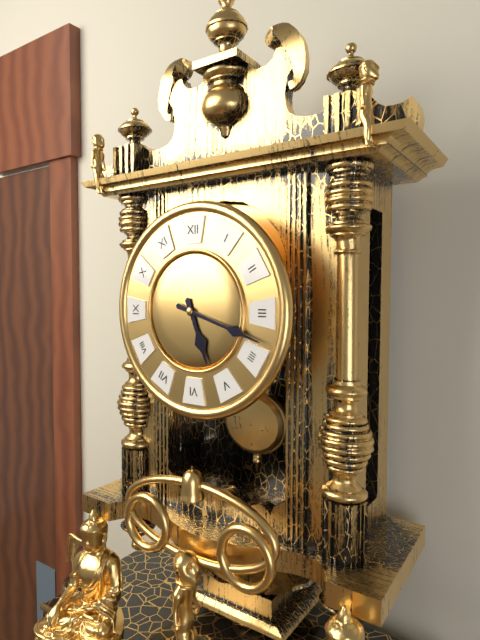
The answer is 5.18
